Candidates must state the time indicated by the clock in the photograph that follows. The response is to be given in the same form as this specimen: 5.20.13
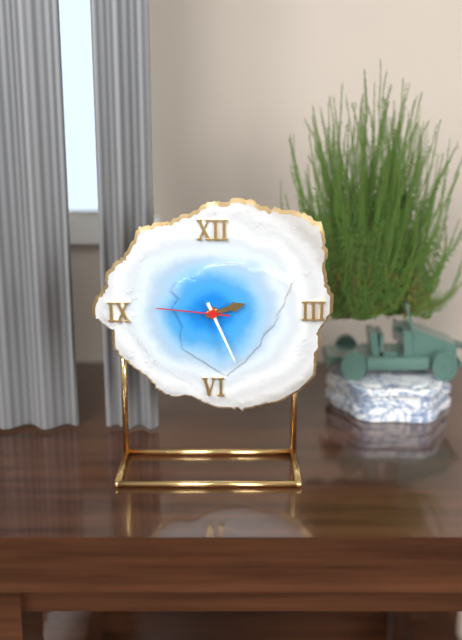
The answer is 2.26.46
